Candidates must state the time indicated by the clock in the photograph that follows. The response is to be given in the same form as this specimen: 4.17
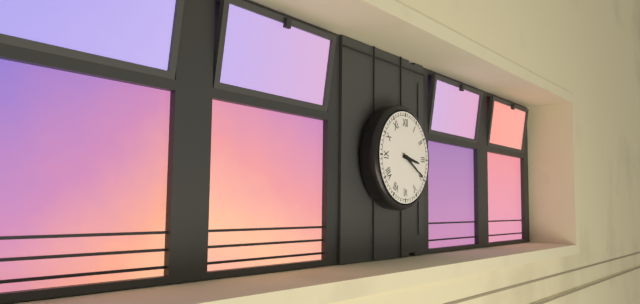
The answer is 3.20
